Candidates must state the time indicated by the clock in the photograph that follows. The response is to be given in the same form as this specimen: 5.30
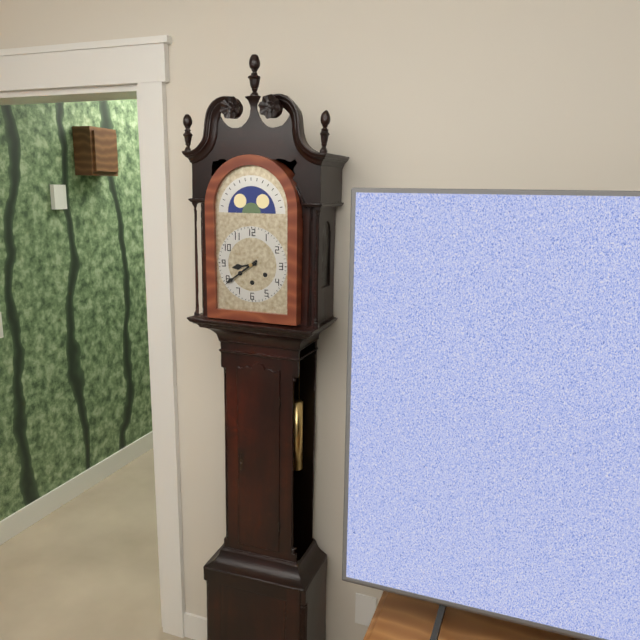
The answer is 8.39
